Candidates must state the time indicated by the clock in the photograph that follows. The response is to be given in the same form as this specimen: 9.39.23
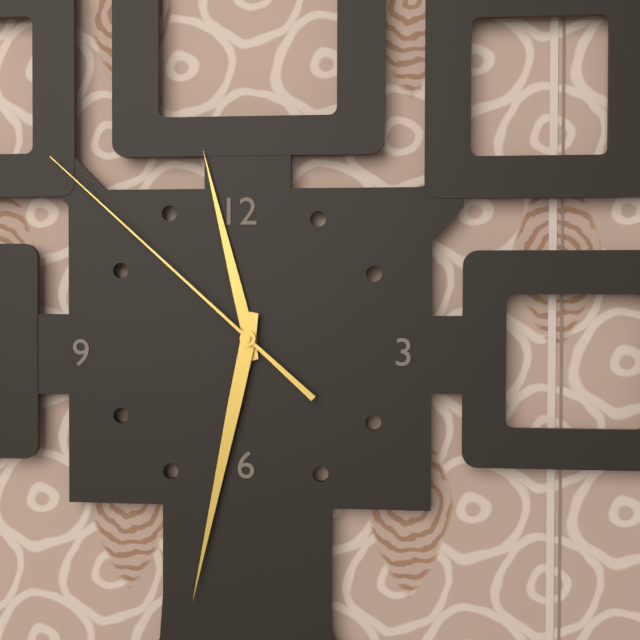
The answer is 11.32.52
